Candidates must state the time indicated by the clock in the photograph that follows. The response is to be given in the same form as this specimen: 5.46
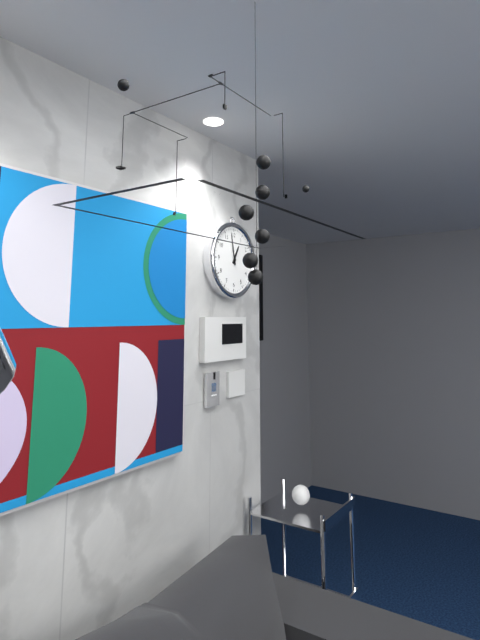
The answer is 12.58
